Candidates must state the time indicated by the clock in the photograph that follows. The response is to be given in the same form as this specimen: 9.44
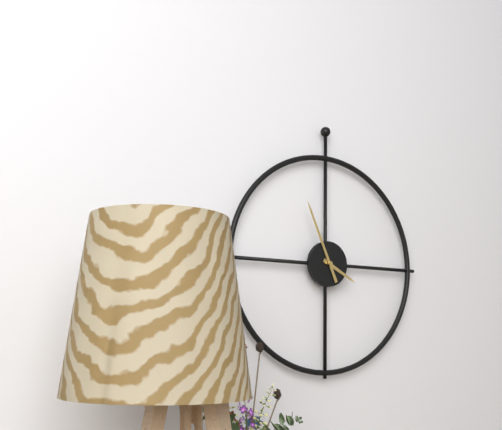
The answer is 3.56
